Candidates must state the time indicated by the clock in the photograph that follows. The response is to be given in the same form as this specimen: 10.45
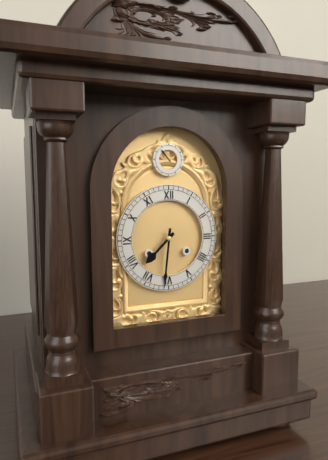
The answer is 7.31
